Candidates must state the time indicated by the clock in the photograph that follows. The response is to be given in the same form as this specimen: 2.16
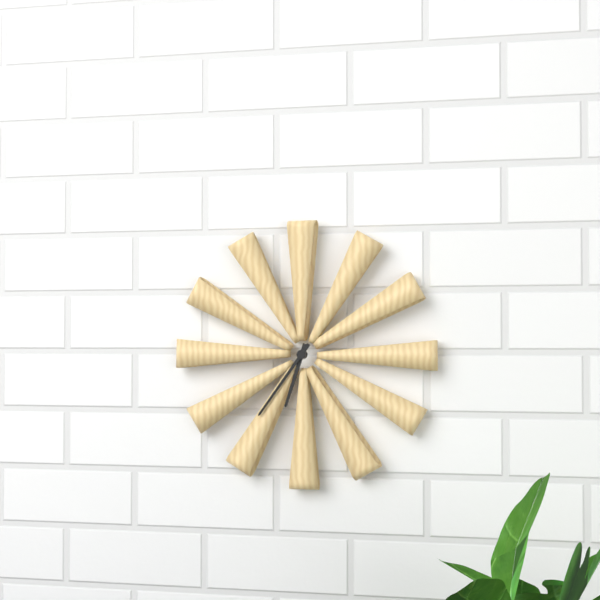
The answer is 6.36
